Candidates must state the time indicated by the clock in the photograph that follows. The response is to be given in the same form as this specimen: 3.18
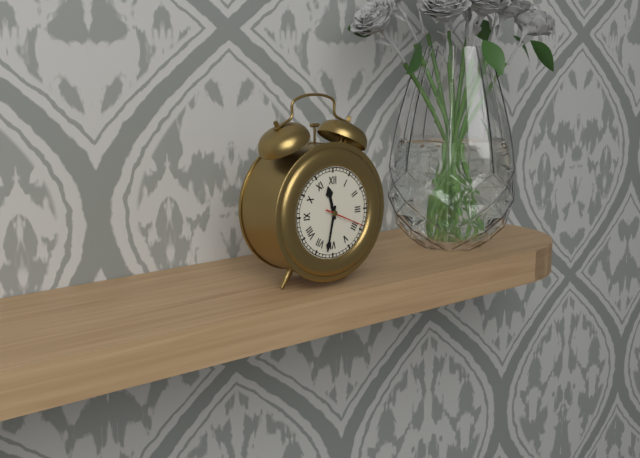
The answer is 11.32
